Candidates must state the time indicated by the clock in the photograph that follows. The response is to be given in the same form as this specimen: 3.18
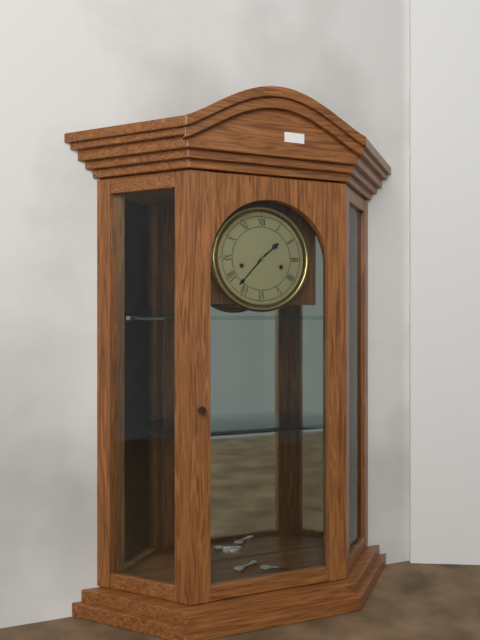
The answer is 1.37
